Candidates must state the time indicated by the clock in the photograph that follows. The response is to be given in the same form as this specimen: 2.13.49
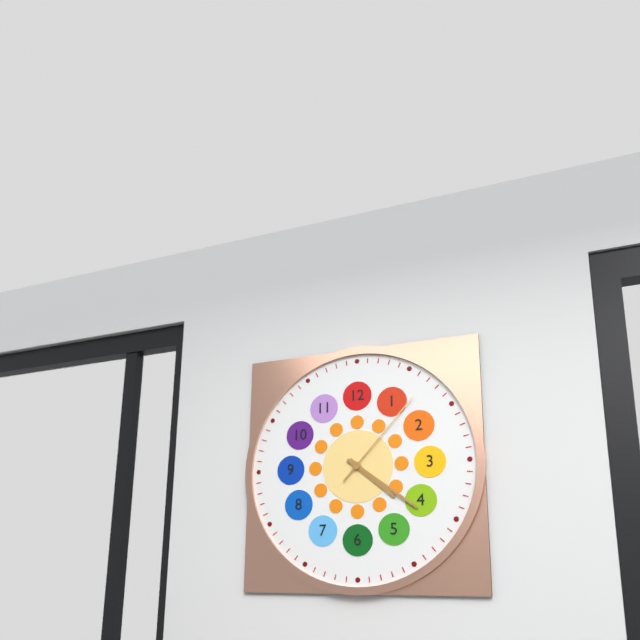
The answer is 4.21.07
